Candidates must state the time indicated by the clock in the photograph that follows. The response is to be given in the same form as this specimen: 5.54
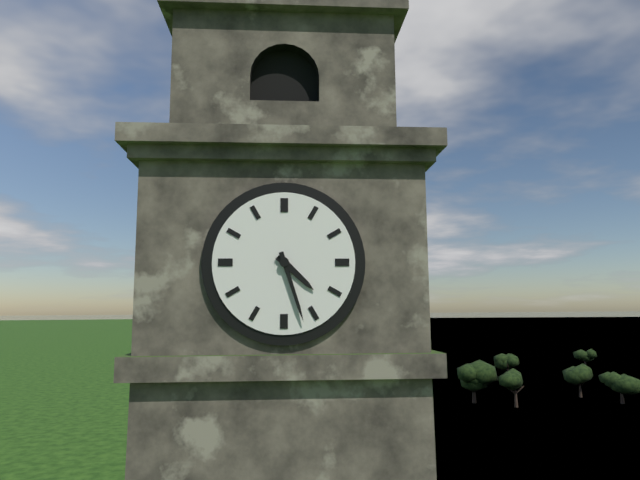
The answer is 4.27
